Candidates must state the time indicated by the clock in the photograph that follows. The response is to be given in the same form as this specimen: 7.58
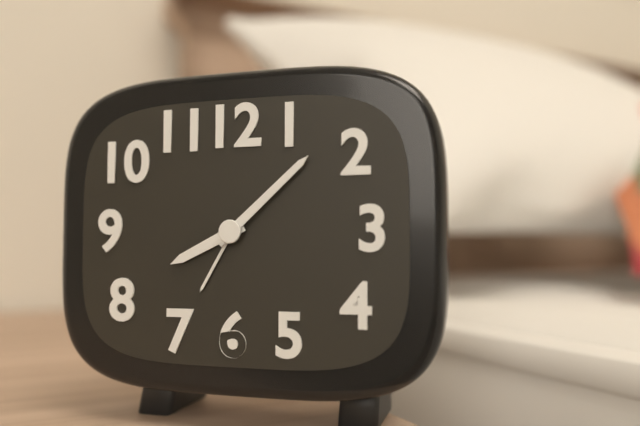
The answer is 8.08
